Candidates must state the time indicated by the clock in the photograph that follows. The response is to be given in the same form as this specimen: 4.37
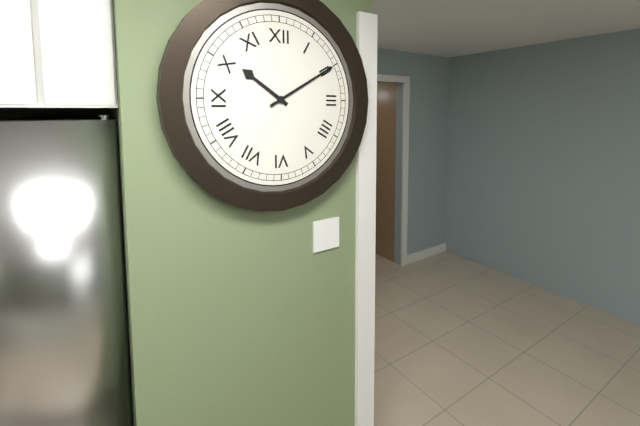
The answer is 10.10
